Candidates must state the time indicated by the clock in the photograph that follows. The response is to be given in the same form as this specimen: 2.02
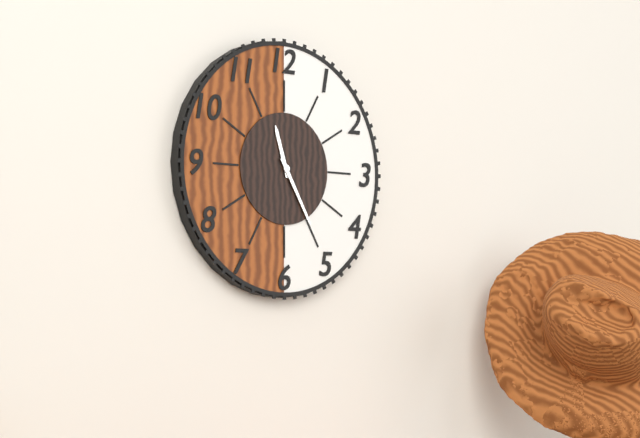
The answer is 11.25
